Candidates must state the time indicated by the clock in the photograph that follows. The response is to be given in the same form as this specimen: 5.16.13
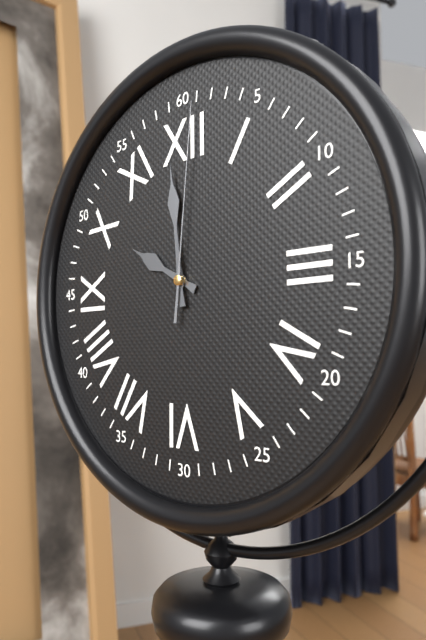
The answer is 9.59.01
